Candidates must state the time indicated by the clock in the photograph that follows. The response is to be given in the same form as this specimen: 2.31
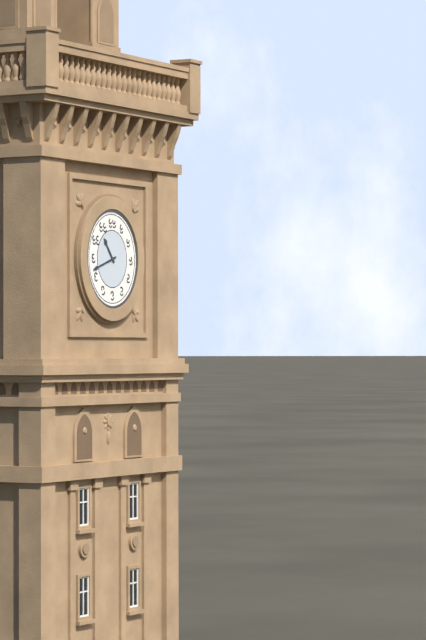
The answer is 10.42
